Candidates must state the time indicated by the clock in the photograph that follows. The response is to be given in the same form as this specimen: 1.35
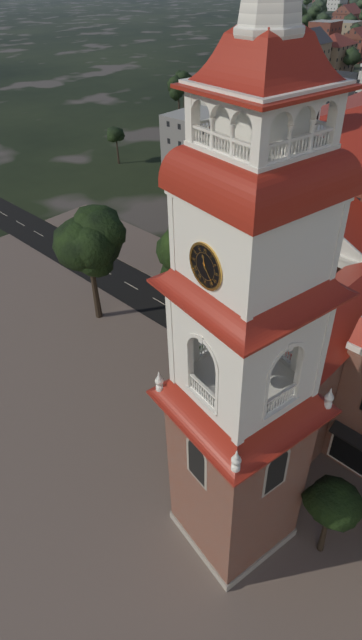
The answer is 11.23
